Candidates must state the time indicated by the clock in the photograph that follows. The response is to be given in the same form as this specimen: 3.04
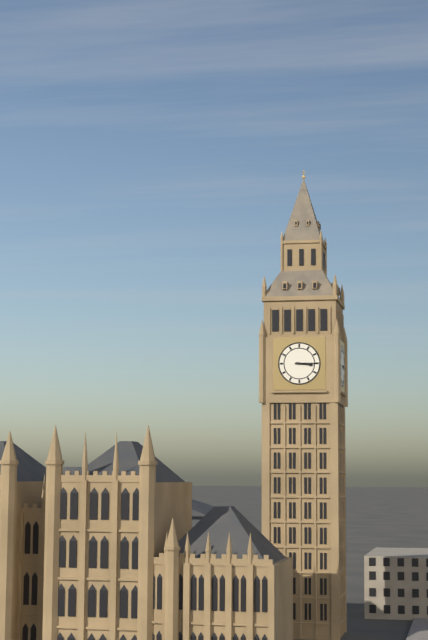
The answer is 3.15
